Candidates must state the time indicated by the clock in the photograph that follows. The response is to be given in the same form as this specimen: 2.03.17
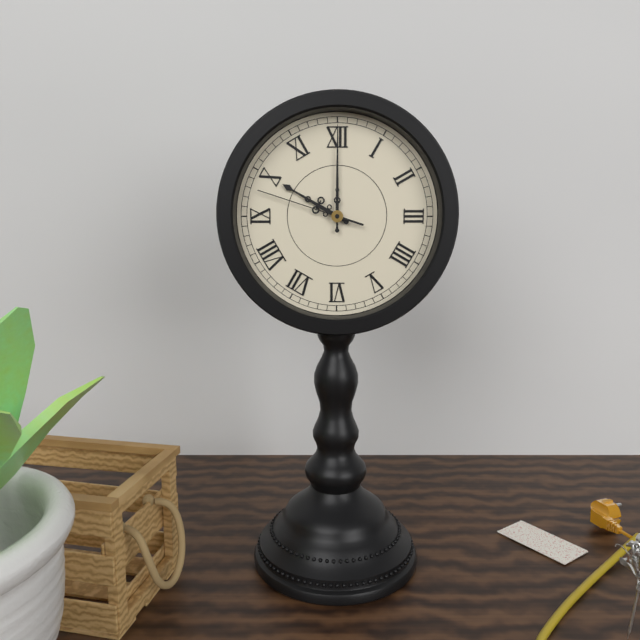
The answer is 10.00.48
